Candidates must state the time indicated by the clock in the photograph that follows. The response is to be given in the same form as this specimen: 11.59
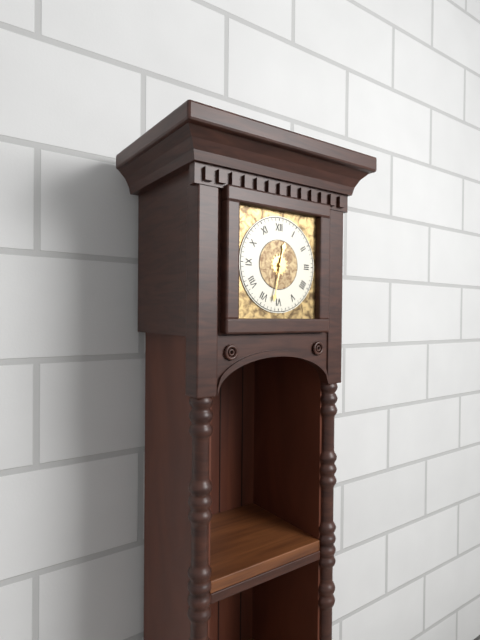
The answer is 12.32
